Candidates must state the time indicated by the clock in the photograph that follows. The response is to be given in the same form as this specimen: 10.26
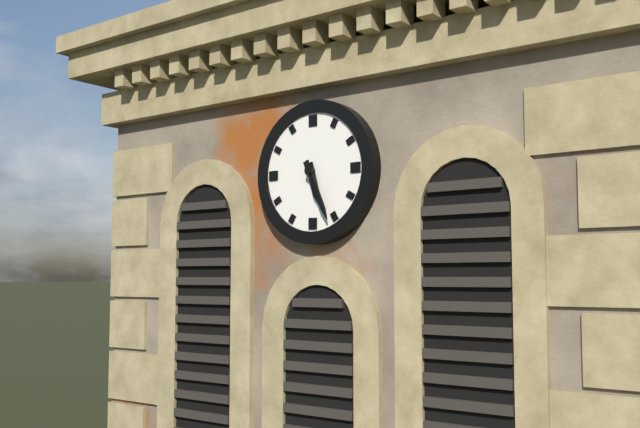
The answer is 5.26
